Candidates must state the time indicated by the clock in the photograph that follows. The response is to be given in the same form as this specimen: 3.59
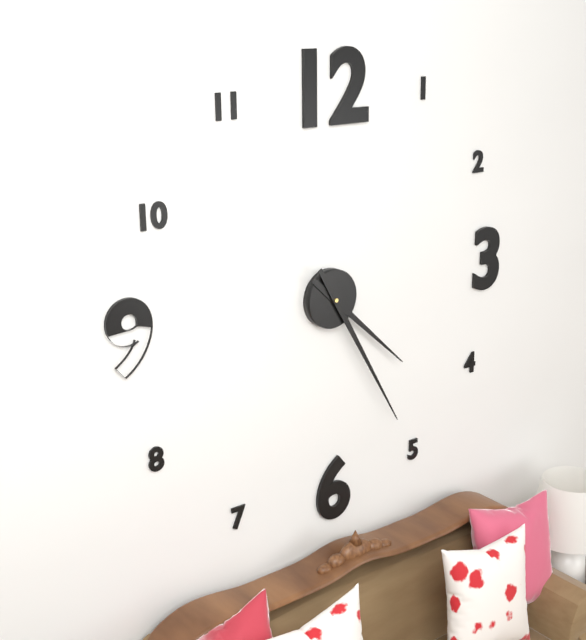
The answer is 4.25
